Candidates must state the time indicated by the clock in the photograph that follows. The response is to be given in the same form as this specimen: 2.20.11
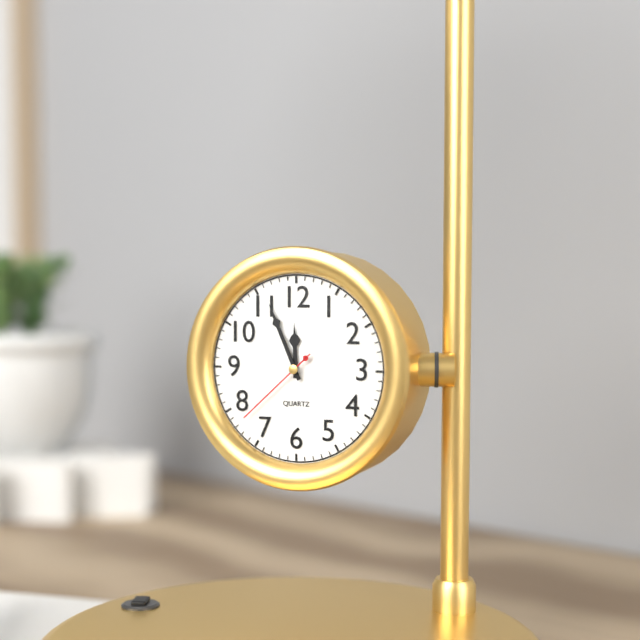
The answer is 11.56.38
